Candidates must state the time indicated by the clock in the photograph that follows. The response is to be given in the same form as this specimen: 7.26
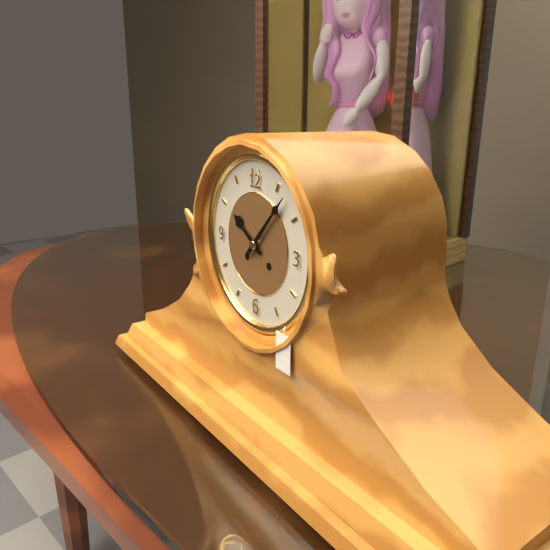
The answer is 10.07
